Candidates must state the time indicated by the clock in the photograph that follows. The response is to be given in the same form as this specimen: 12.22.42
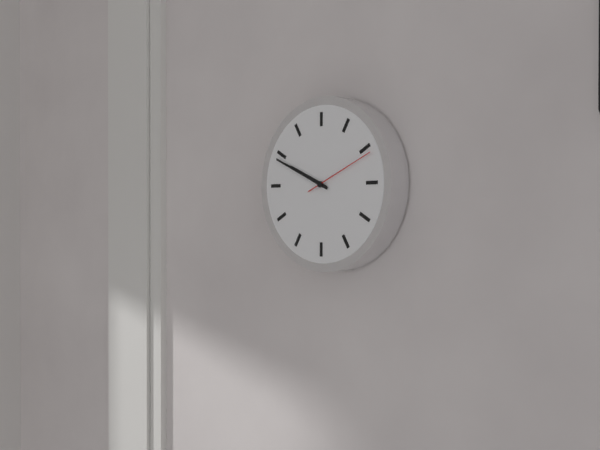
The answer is 9.49.11
